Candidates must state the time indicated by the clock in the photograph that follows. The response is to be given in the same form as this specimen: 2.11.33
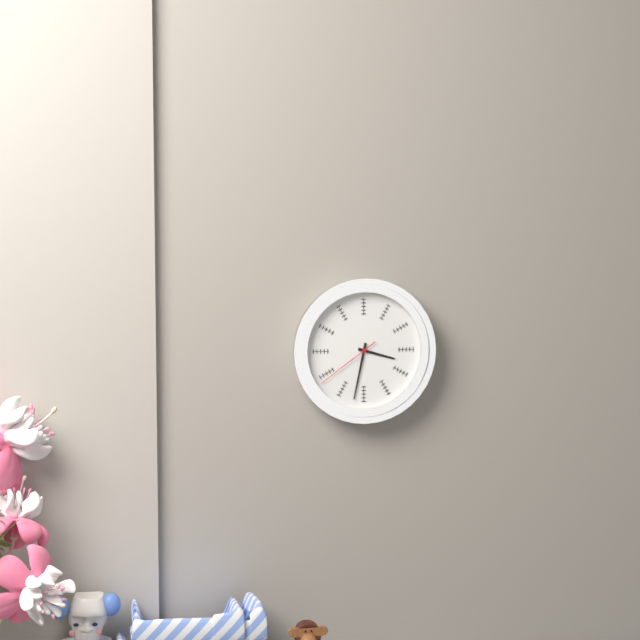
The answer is 3.32.39
